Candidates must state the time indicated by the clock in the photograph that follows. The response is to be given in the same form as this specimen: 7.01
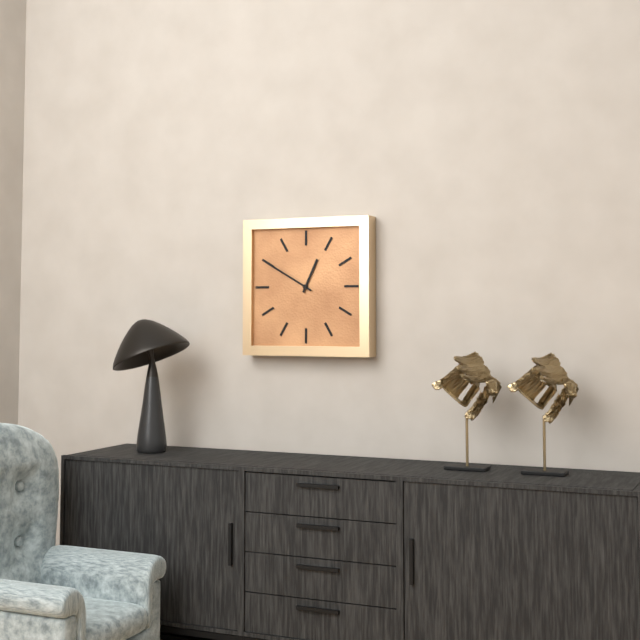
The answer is 12.50
